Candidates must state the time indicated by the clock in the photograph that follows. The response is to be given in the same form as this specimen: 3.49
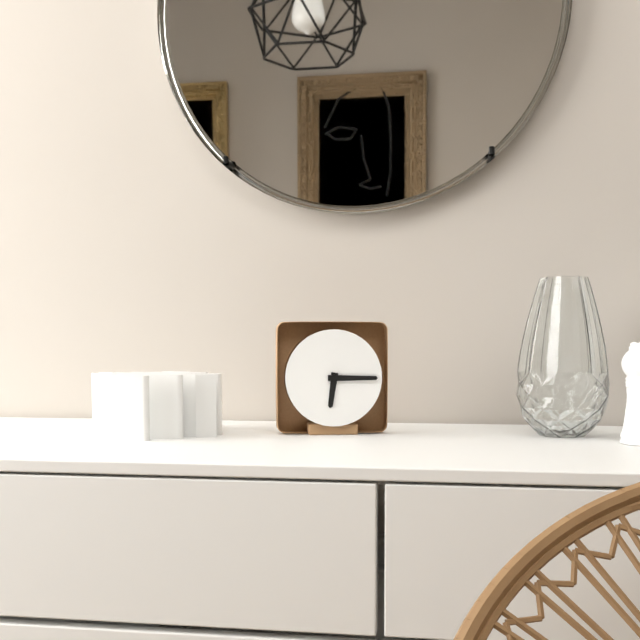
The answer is 6.15
